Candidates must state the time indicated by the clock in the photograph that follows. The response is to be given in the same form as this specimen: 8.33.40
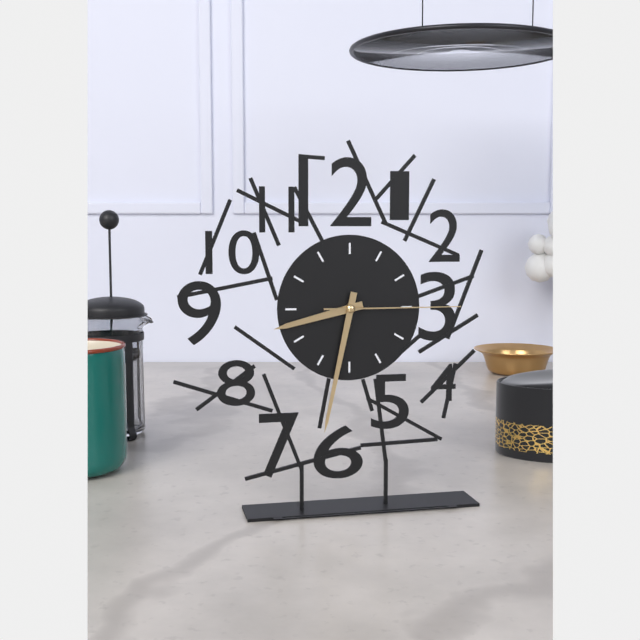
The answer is 8.32.15
